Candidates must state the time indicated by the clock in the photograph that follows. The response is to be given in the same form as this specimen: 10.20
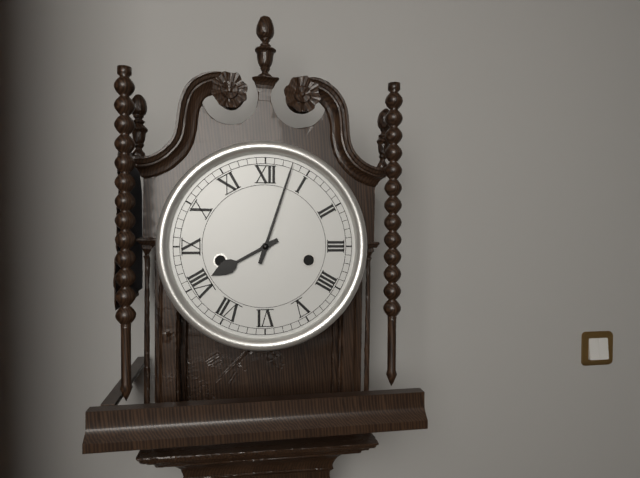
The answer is 8.03
